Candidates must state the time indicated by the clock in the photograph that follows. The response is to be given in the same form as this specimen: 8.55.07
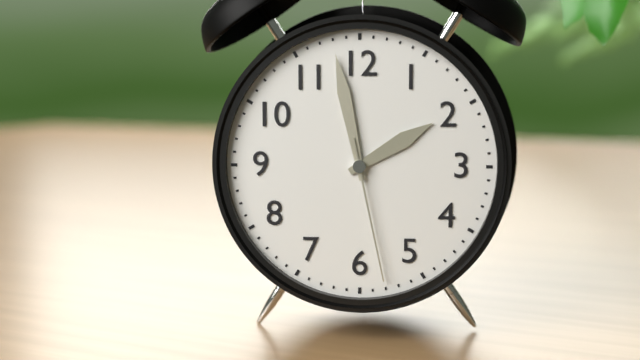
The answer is 1.58.28
